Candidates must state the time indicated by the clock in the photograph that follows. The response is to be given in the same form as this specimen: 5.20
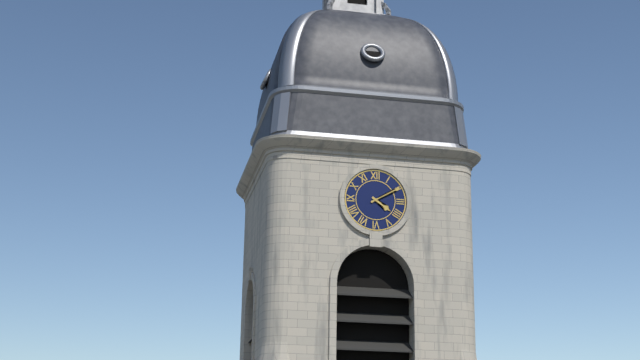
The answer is 4.10
